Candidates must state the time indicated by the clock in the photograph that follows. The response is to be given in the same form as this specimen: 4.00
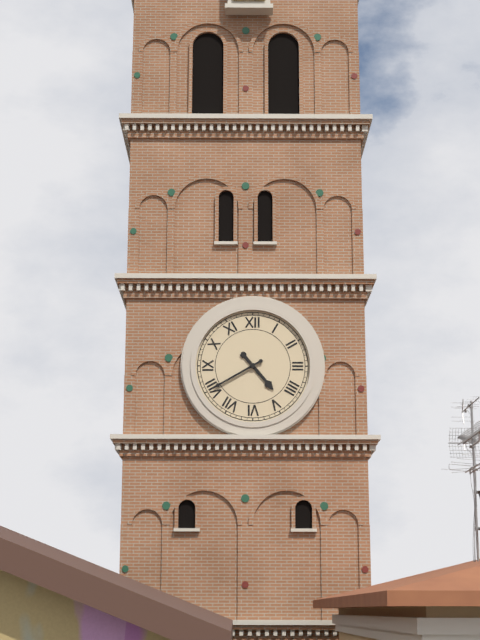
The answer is 4.40
